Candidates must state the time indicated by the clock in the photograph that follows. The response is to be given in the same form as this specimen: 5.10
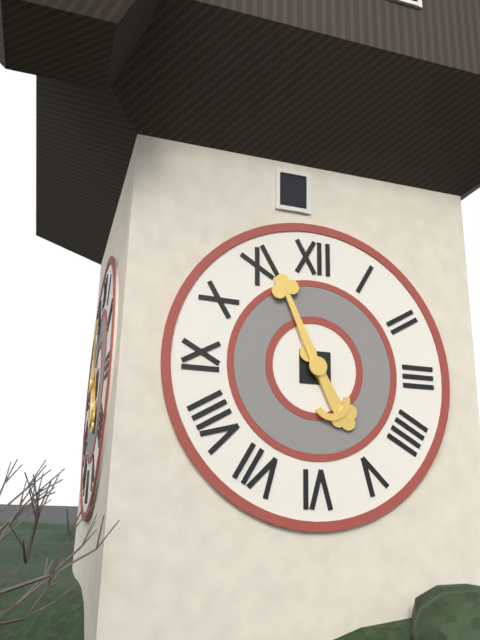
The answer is 4.56
